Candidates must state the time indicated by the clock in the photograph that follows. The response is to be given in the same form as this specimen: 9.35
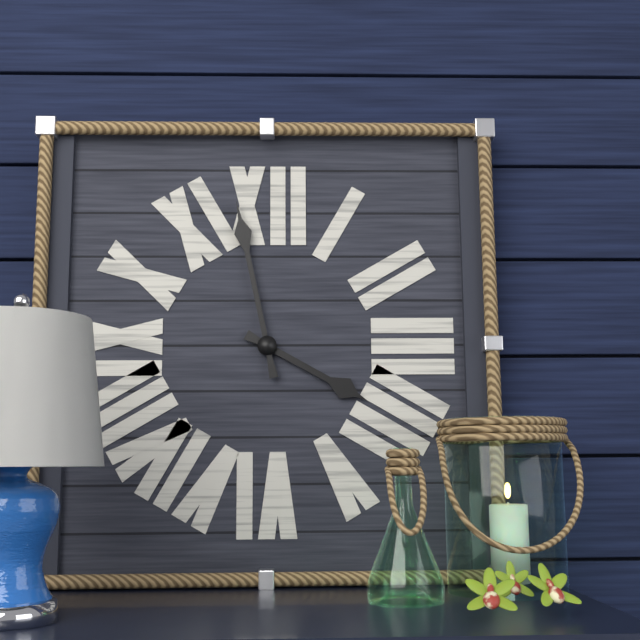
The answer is 3.58
